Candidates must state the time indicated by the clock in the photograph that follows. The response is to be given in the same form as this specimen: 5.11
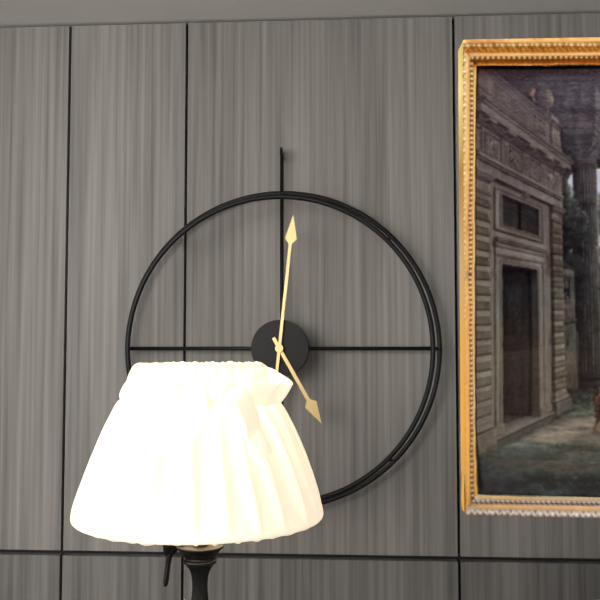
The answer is 5.01
